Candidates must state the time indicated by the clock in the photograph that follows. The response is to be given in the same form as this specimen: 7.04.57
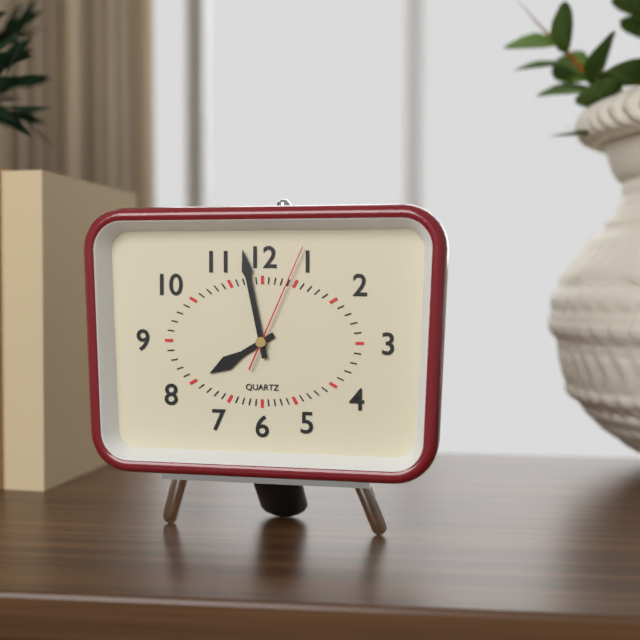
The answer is 7.58.04
